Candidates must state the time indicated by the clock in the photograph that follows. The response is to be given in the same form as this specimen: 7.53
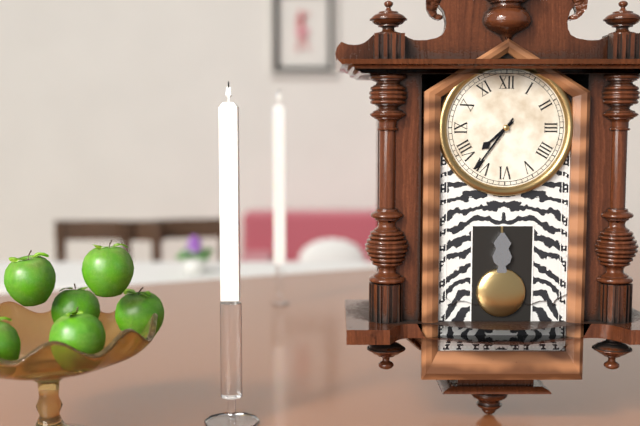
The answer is 7.36
